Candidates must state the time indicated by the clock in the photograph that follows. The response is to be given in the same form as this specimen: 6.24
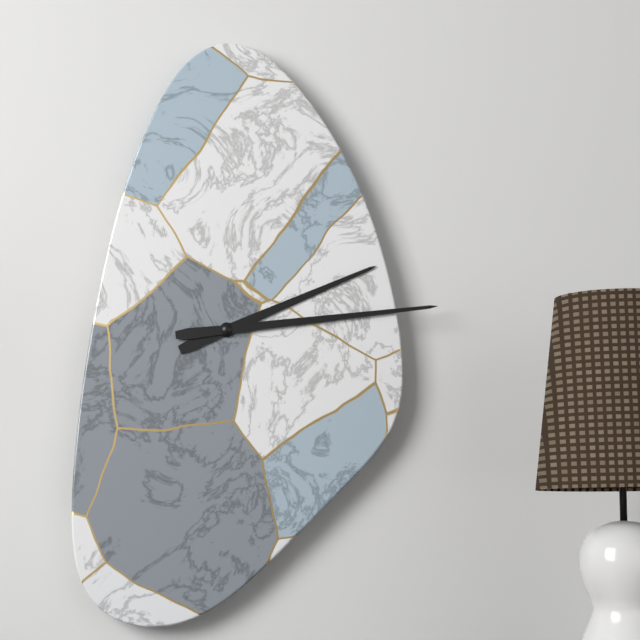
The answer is 2.14
